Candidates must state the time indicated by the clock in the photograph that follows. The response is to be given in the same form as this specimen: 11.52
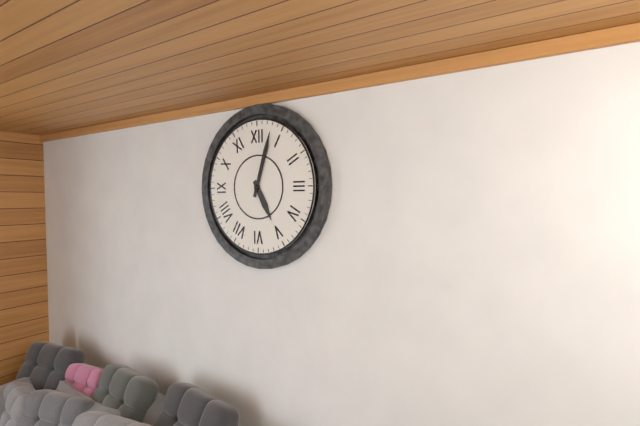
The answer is 5.03
